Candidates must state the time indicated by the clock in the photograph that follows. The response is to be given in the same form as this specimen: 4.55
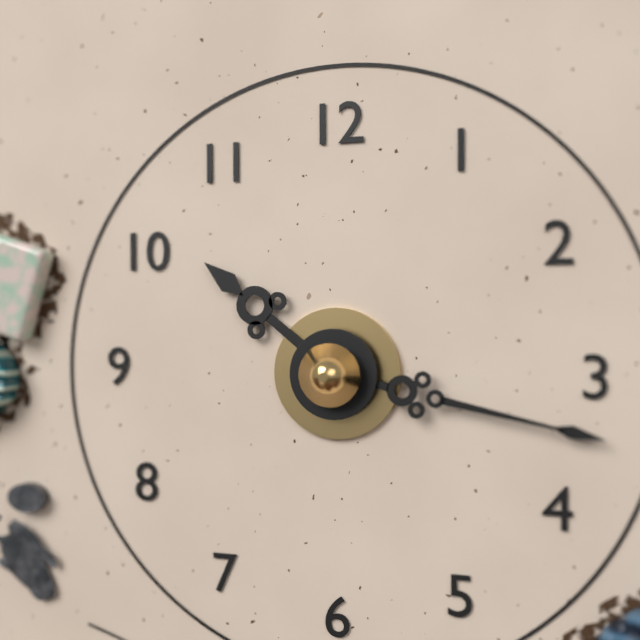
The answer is 10.17
